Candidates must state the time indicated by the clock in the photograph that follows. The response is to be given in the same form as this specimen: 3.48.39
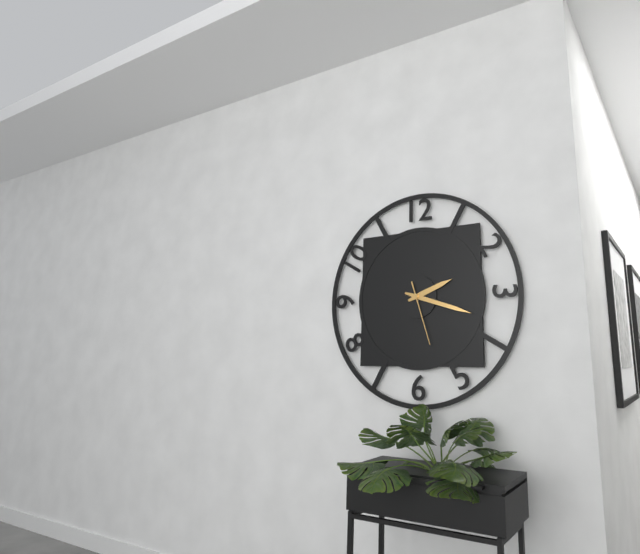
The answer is 2.18.27
